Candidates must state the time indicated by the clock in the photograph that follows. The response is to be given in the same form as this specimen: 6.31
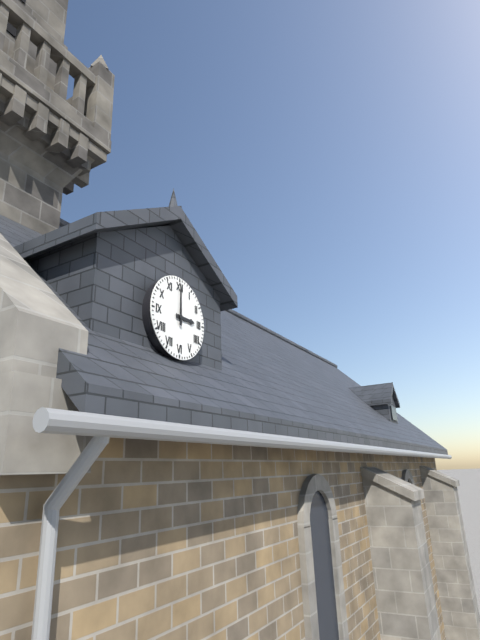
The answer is 3.00
